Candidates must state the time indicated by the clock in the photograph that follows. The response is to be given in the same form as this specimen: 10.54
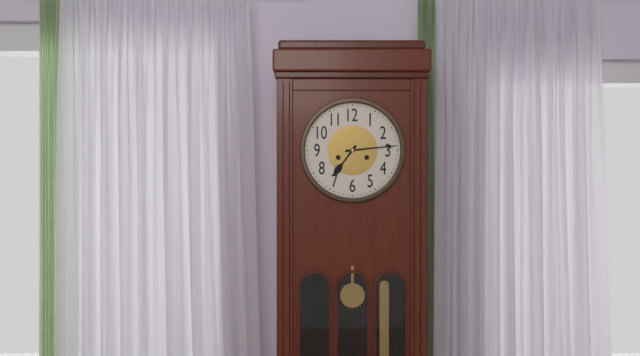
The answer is 7.14
